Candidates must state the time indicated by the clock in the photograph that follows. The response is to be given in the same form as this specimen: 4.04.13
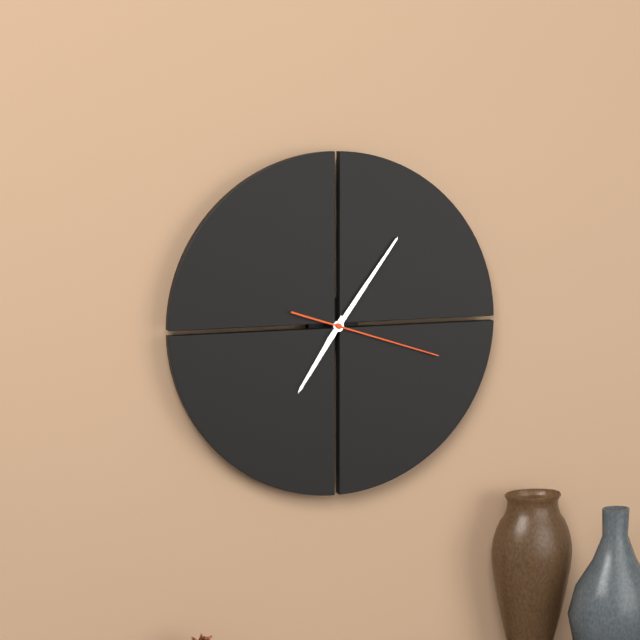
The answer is 7.06.18
